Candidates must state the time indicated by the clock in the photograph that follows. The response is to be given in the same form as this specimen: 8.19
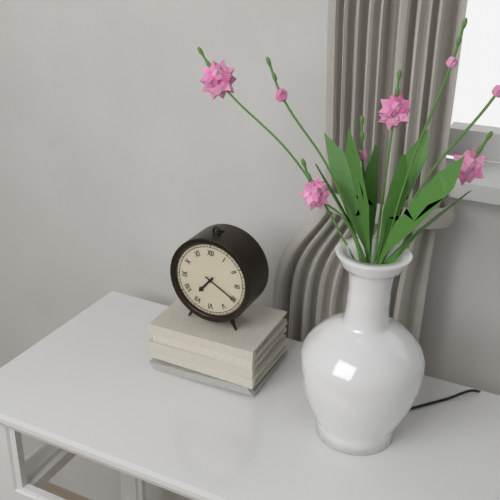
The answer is 7.20
